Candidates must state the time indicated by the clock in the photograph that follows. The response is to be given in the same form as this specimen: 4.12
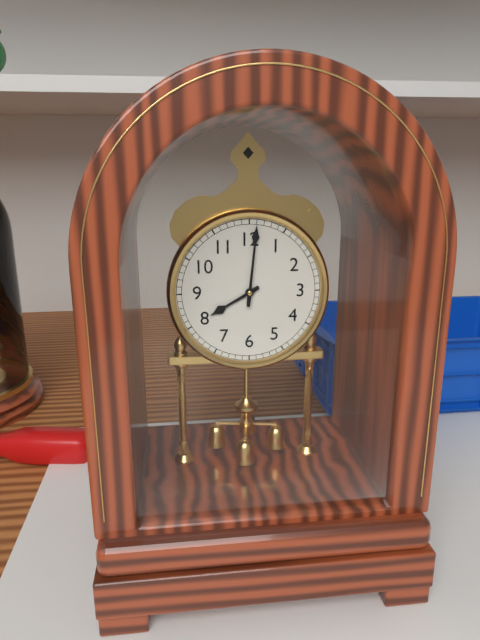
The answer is 8.01
